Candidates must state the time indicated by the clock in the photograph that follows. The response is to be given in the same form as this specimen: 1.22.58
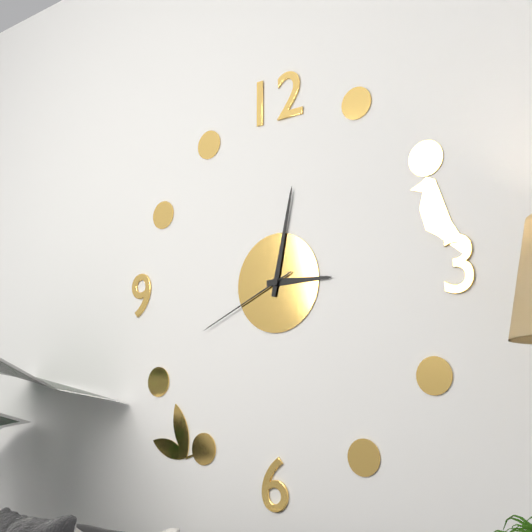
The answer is 3.02.41
